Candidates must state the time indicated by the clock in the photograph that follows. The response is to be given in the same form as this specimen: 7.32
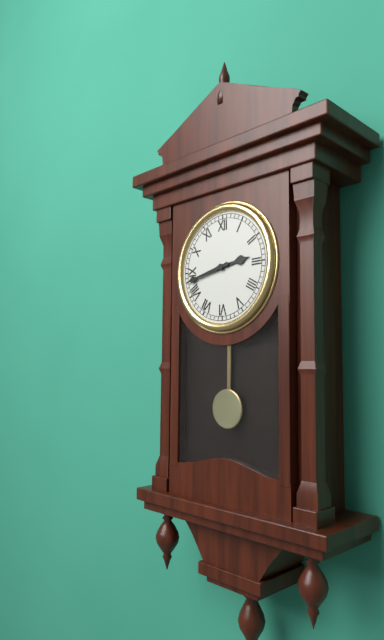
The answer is 2.43
